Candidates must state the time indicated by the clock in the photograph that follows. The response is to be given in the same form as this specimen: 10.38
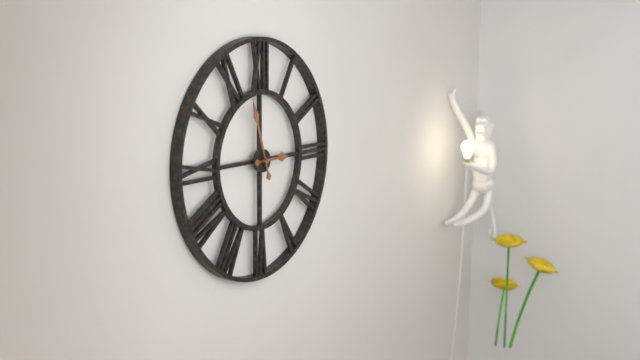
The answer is 2.57
